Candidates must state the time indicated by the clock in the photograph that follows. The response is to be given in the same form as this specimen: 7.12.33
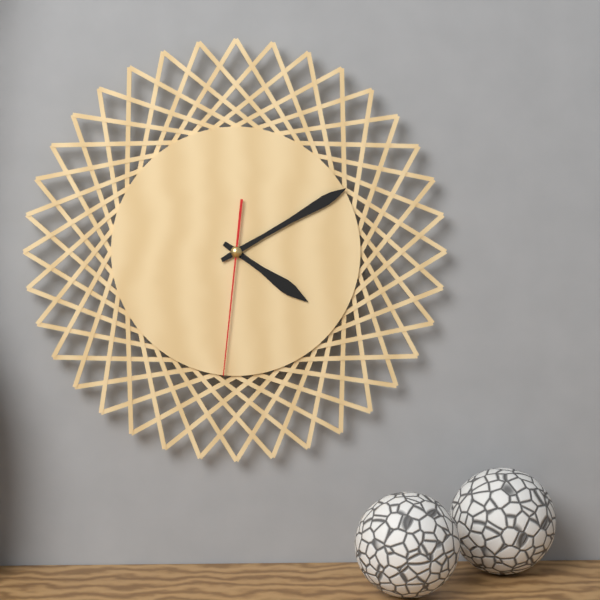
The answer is 4.10.31
